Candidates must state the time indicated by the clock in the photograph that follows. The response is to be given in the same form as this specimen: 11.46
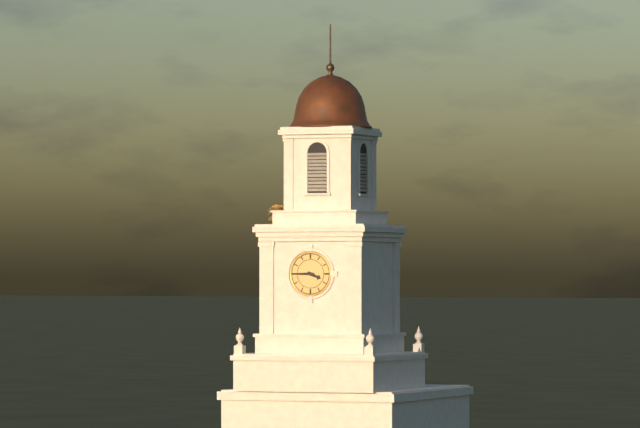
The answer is 3.45
